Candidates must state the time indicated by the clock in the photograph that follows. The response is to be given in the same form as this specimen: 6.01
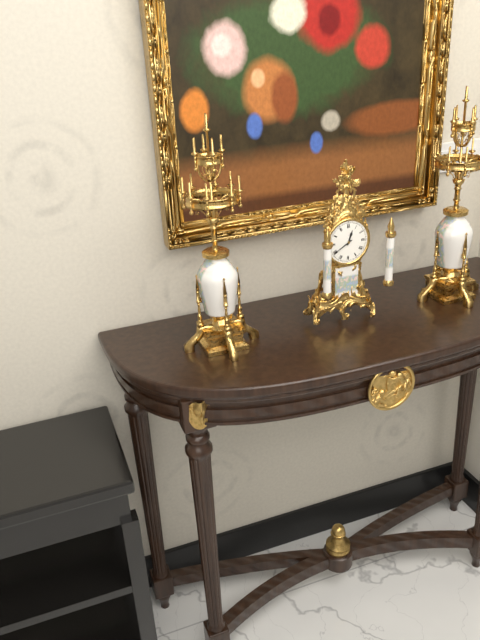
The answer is 12.40
